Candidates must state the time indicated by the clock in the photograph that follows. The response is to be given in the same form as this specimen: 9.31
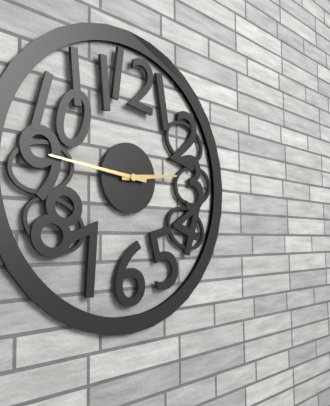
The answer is 2.46
